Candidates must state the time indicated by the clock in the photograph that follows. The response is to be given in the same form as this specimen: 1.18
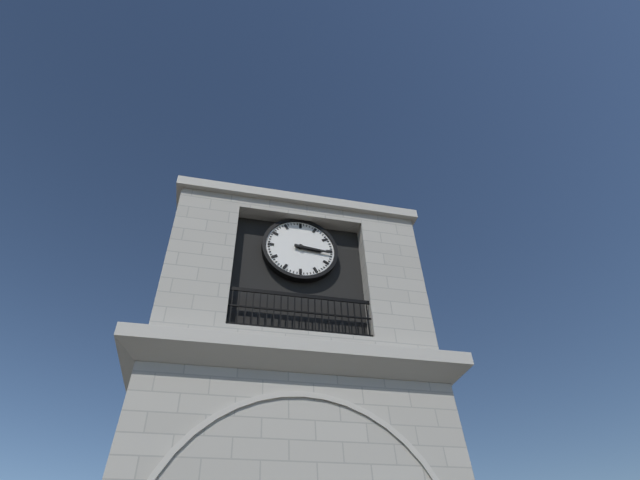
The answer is 3.16
